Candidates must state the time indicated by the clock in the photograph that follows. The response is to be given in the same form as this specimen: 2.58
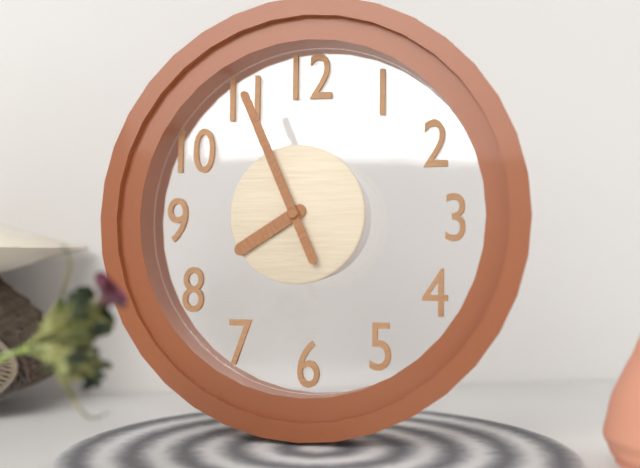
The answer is 7.56
